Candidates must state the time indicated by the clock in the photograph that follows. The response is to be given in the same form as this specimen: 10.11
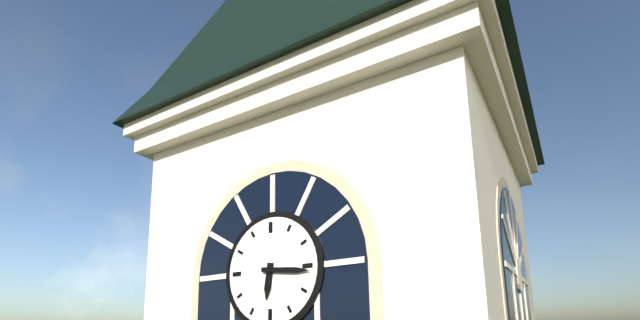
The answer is 6.16
